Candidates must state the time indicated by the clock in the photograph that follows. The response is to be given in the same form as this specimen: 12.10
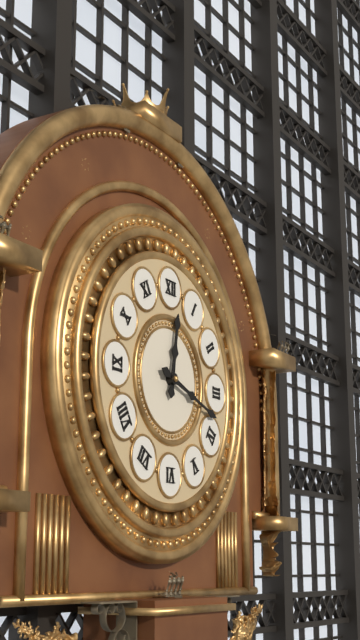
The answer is 12.18
